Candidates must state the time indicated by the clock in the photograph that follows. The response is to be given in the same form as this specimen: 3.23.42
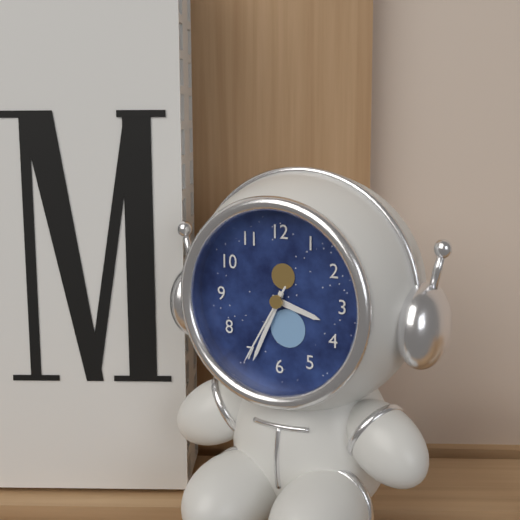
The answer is 3.34.35
